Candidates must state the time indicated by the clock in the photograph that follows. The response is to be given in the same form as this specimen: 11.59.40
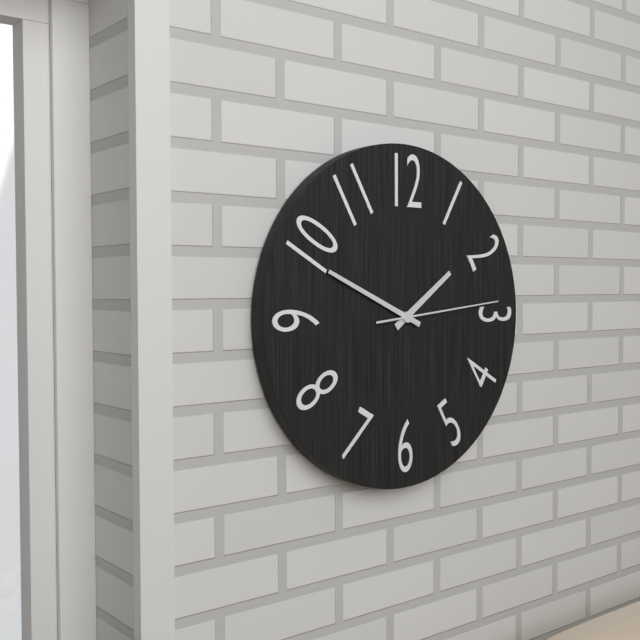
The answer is 1.49.14
